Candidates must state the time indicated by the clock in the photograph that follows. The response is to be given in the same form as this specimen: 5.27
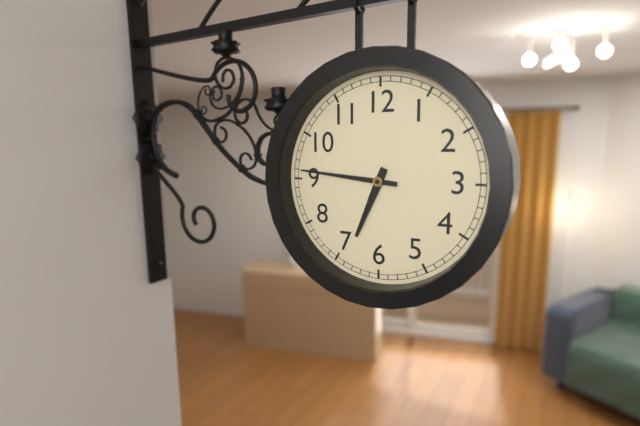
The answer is 6.46
